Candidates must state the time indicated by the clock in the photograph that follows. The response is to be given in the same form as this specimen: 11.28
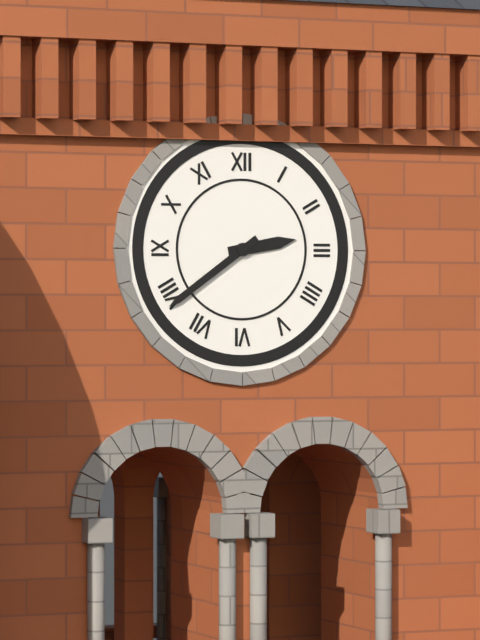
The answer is 2.39
